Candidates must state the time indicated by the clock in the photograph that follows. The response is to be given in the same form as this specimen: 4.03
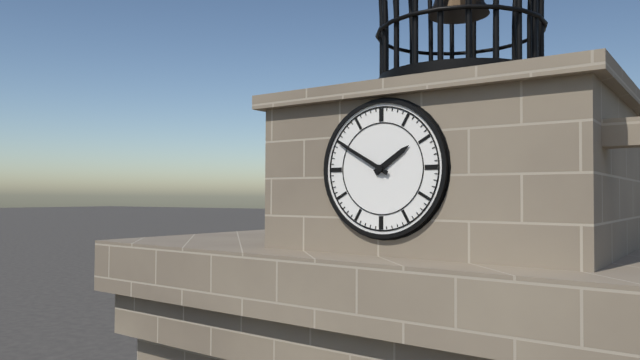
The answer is 1.50
